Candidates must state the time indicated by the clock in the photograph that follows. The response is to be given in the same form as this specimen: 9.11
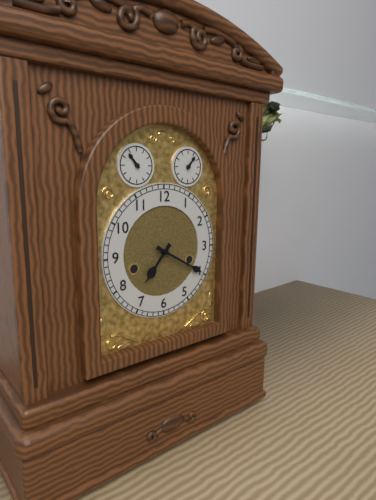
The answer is 7.20
